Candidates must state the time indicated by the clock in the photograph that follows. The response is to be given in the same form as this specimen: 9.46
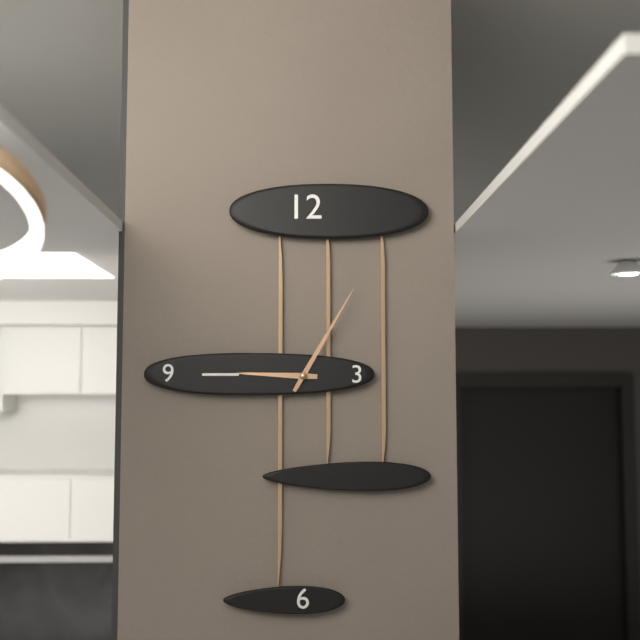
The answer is 9.05
